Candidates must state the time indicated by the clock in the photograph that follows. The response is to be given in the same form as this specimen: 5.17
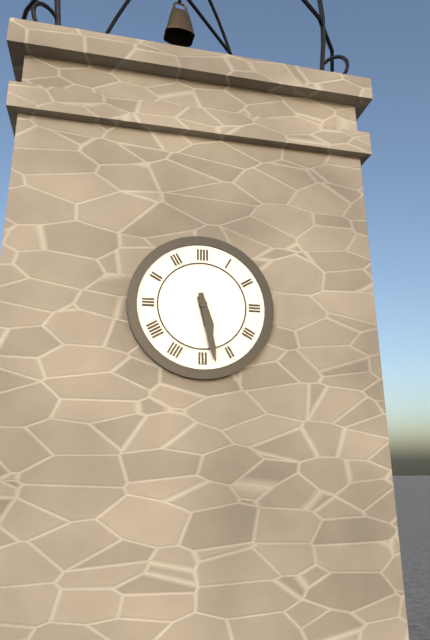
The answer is 5.28
